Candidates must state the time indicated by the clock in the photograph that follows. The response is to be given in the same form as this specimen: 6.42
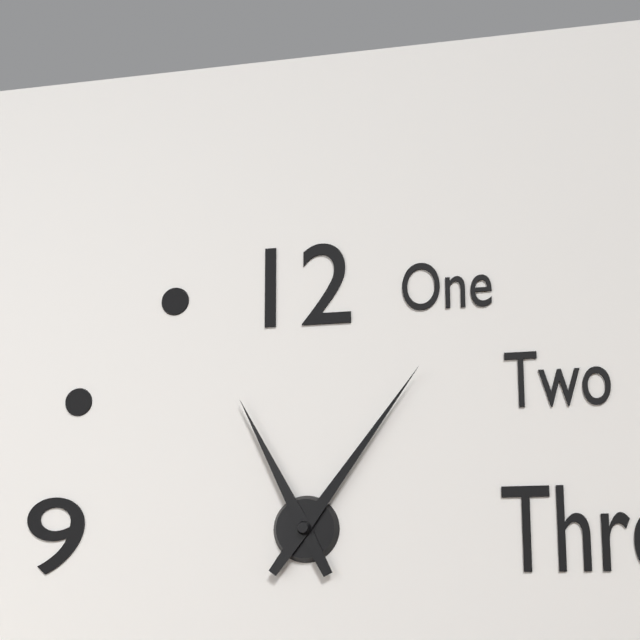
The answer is 11.06
